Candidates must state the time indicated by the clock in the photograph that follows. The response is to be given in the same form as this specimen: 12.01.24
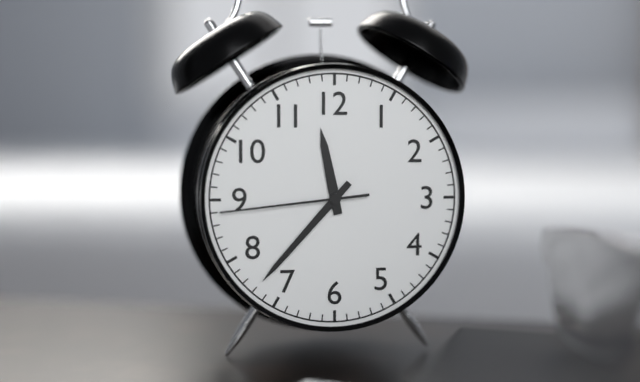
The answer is 11.37.44
